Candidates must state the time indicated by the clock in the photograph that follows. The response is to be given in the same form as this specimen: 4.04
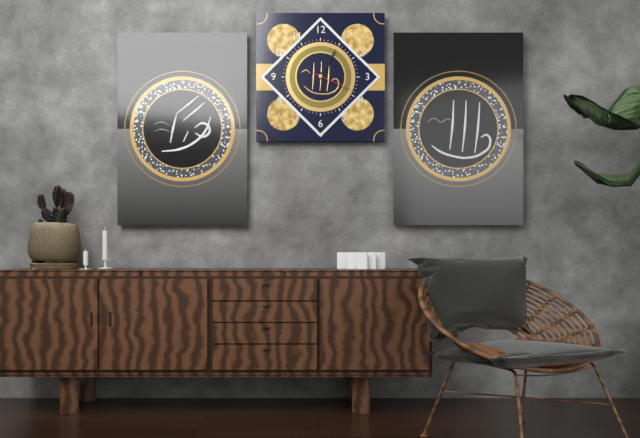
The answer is 1.05
